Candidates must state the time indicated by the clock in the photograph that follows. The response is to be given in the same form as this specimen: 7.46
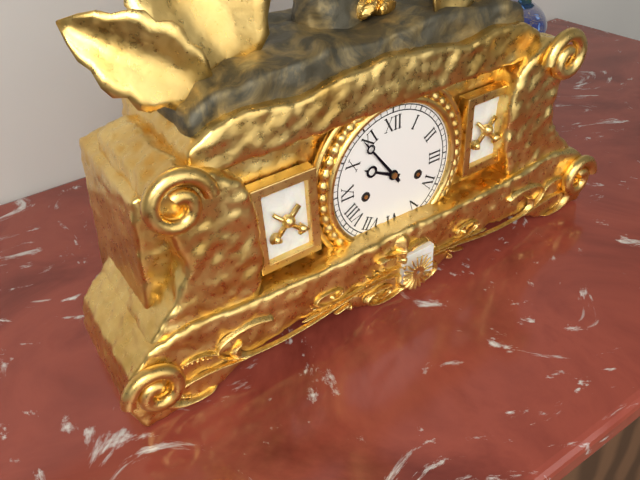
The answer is 9.54
